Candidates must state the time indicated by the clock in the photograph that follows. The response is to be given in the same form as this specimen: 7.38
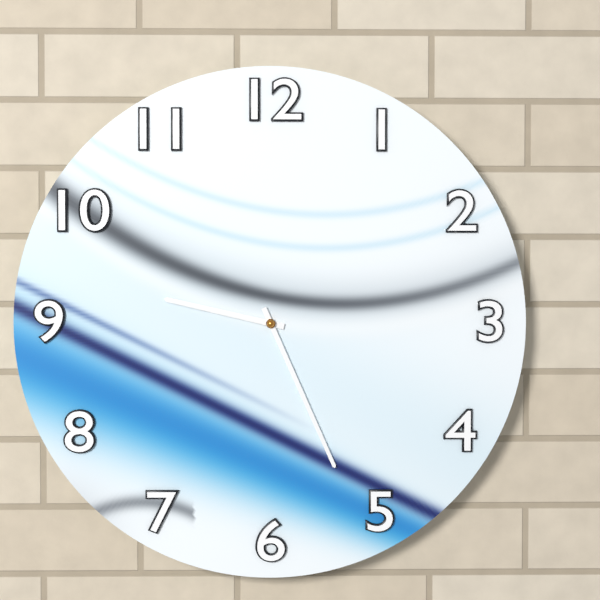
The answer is 9.26
